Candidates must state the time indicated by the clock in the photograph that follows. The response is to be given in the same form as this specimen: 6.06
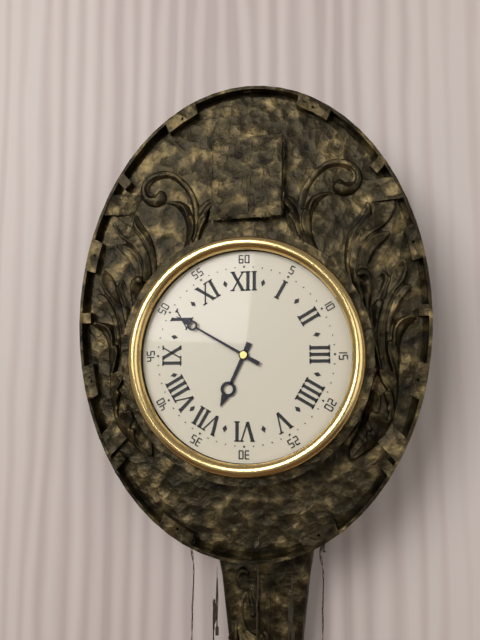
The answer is 6.50
